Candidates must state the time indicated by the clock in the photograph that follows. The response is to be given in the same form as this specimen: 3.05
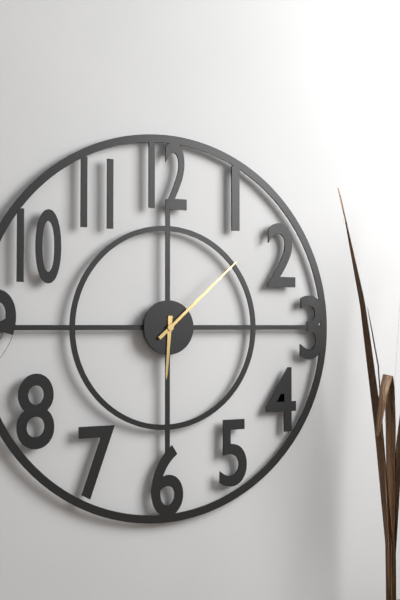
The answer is 6.08
